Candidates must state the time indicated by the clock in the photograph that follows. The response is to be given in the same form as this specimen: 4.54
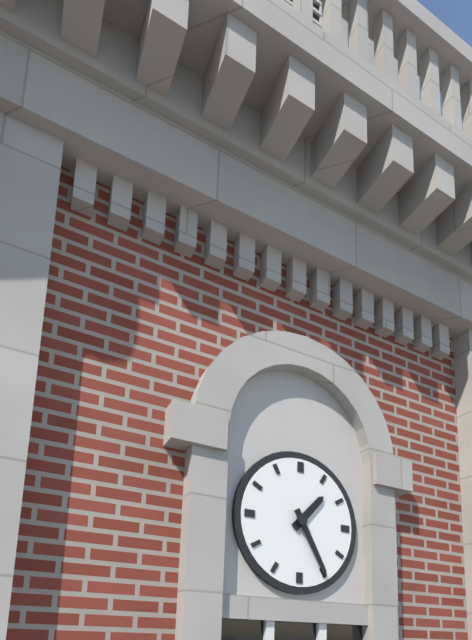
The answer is 1.25
